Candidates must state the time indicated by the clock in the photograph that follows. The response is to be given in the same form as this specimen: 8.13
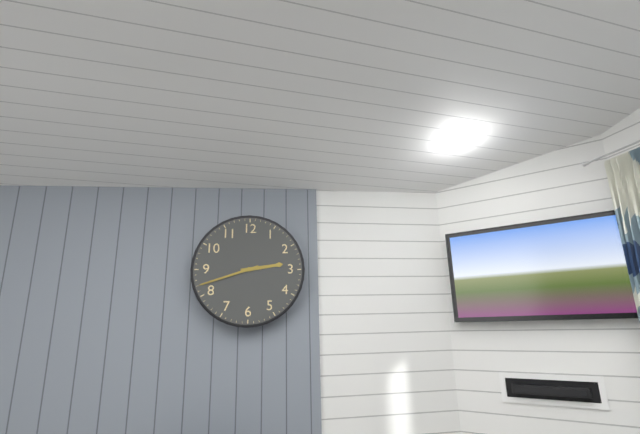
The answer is 2.42
